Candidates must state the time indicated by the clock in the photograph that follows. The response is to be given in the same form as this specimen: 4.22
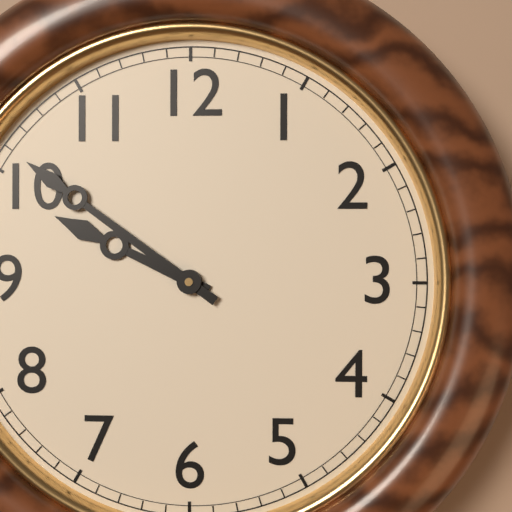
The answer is 9.51
